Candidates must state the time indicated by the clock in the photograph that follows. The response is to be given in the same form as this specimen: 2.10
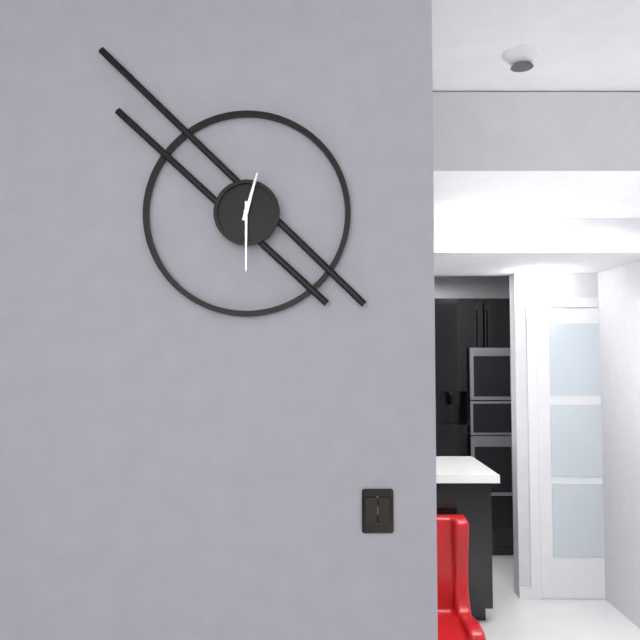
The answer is 12.30
